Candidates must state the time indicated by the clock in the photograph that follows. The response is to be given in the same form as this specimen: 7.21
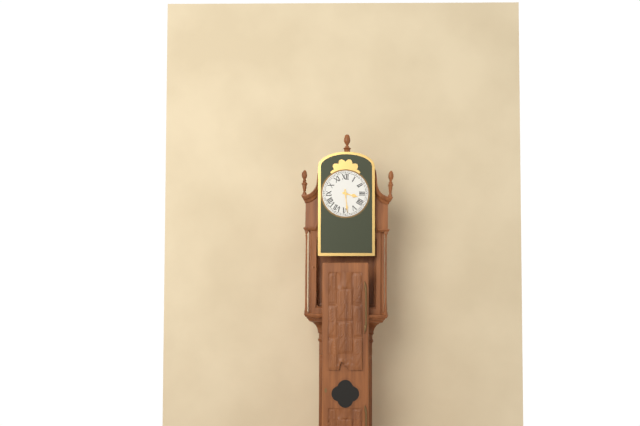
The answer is 3.29
